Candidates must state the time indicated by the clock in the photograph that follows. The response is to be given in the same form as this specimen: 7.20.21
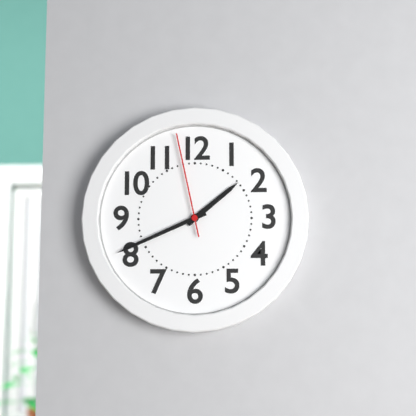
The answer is 1.41.58
